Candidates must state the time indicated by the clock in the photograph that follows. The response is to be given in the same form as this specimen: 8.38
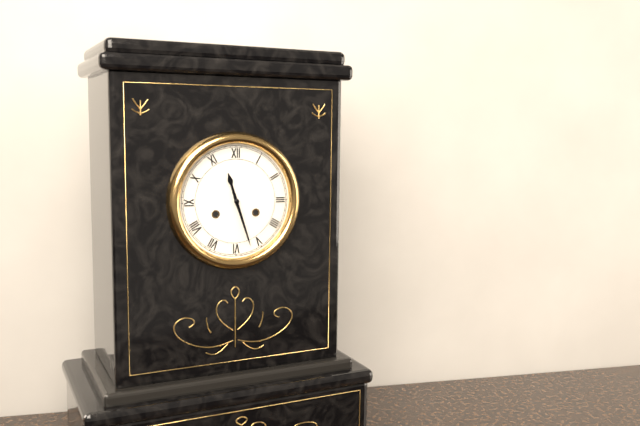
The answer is 11.27
